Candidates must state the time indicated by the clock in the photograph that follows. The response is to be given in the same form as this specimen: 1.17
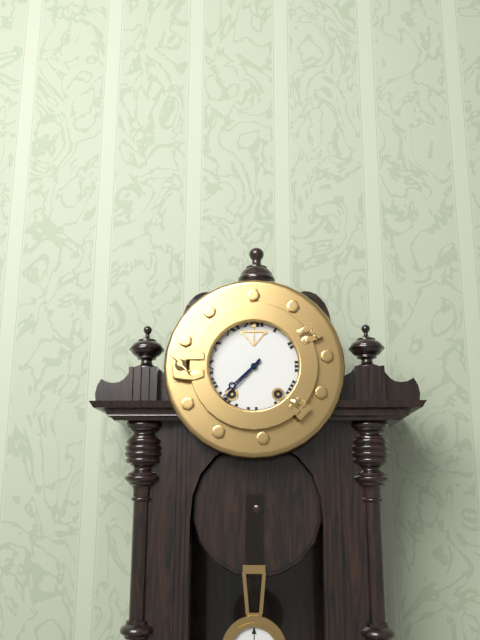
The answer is 7.37
